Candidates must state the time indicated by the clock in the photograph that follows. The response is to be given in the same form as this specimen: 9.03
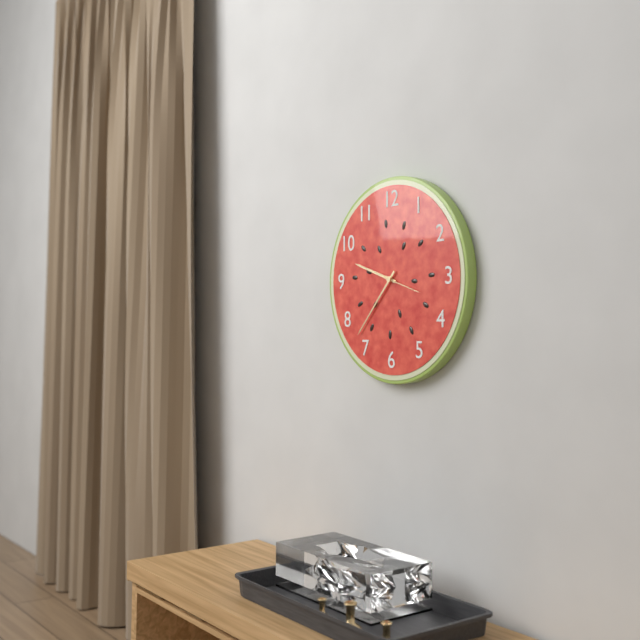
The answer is 9.37
